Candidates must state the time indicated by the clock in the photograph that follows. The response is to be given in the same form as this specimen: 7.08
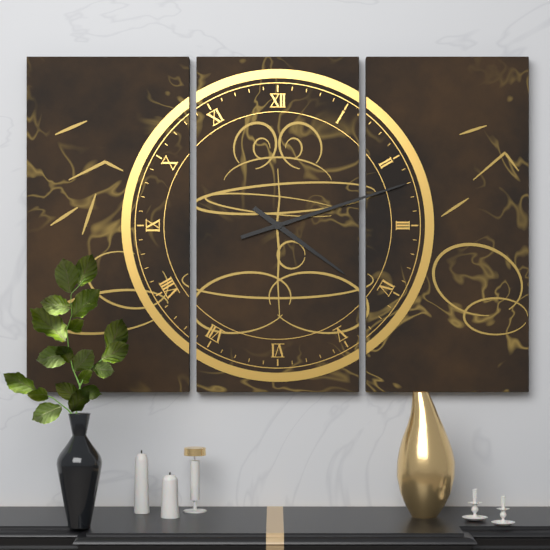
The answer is 4.12
